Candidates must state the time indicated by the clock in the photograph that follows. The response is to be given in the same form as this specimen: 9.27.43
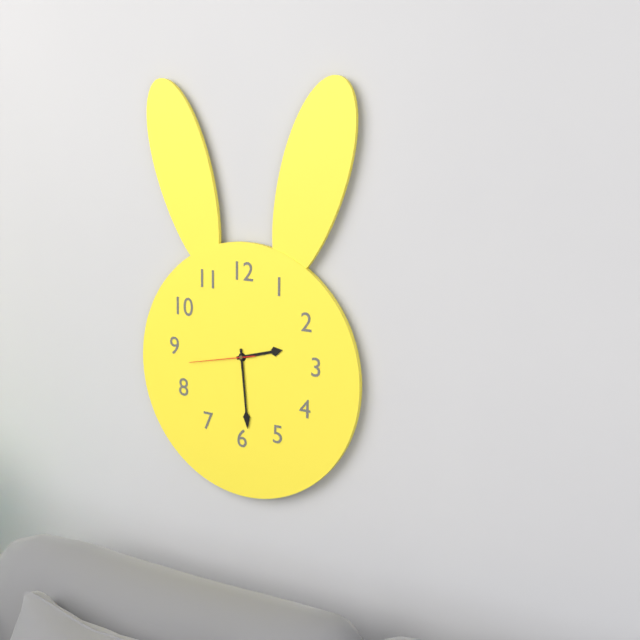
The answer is 2.29.43
